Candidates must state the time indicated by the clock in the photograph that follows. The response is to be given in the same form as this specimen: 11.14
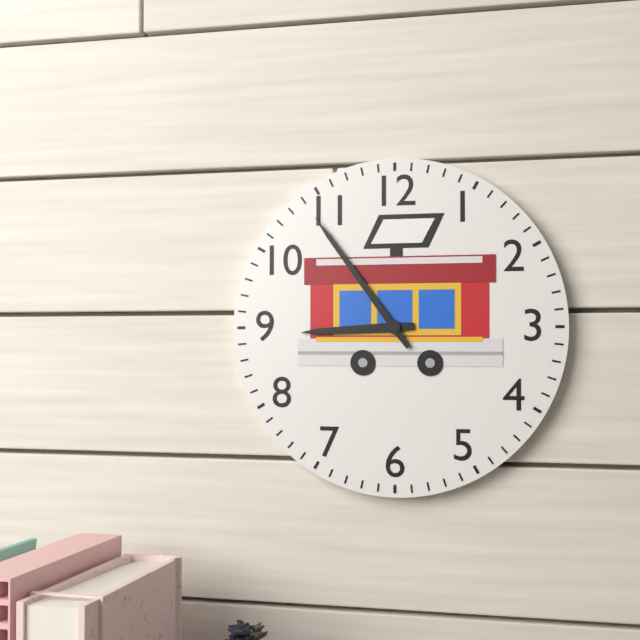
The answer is 8.54
